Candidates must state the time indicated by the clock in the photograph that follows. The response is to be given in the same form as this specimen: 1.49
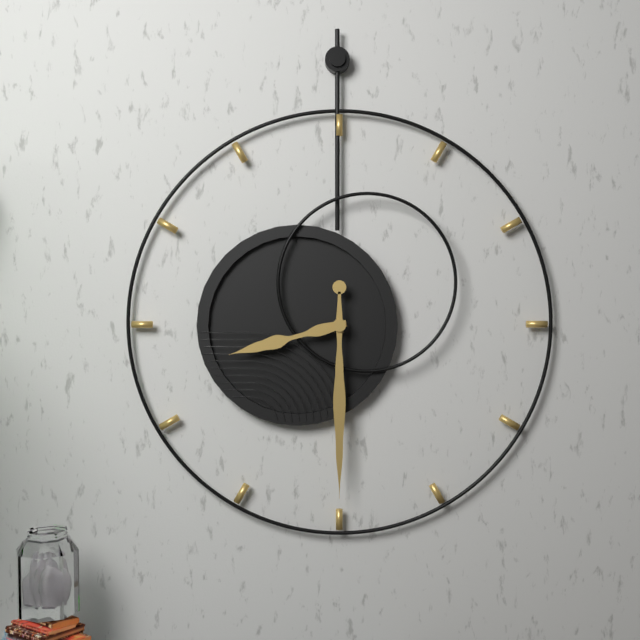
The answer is 8.30
